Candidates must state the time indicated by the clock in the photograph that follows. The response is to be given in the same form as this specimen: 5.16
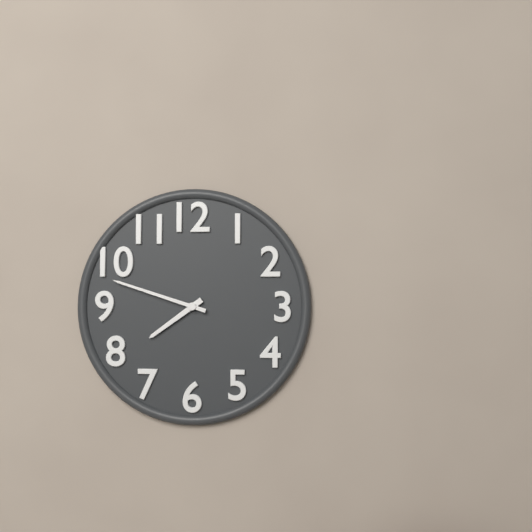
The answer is 7.48
